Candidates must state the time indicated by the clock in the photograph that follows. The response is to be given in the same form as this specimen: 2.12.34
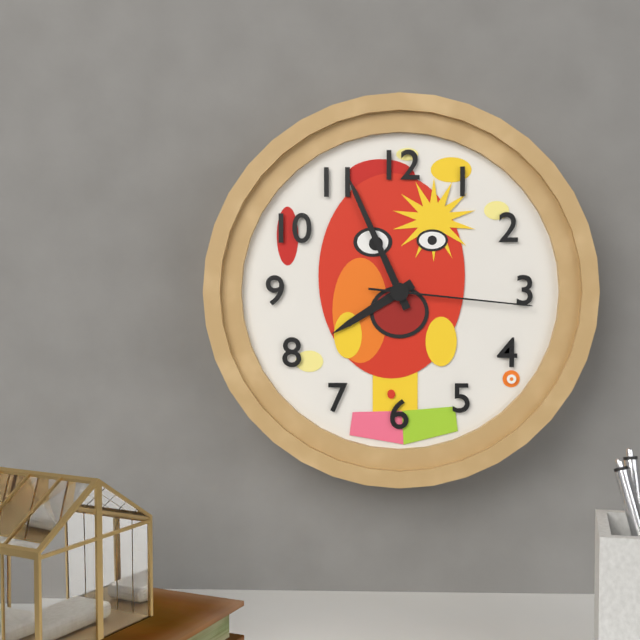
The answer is 7.56.16
